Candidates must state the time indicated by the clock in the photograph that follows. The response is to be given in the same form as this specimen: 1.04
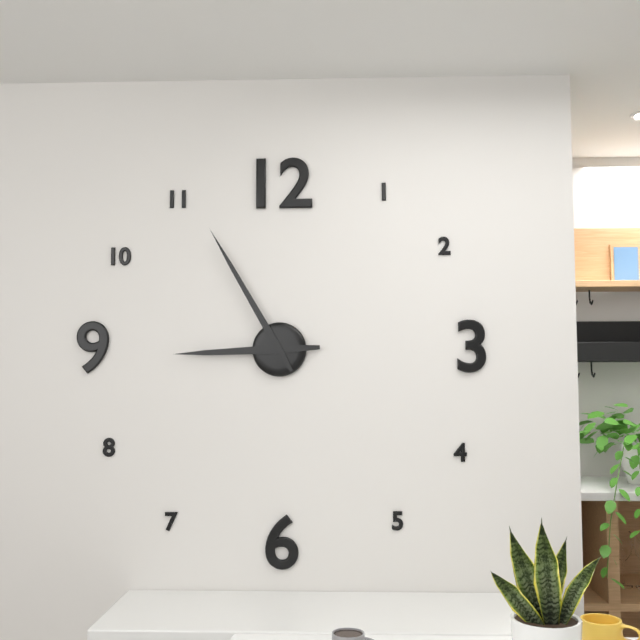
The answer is 8.55
